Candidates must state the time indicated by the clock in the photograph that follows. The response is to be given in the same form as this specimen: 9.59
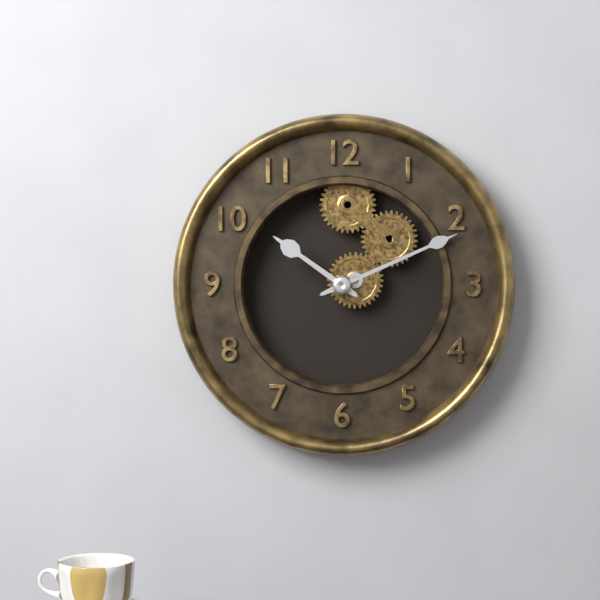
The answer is 10.11
